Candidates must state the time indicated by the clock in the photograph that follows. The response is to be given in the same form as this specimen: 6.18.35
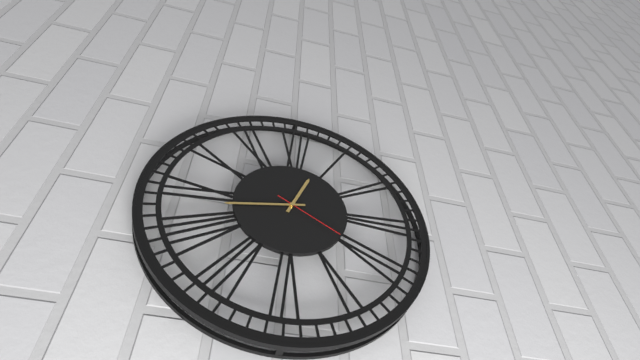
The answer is 12.43.20
